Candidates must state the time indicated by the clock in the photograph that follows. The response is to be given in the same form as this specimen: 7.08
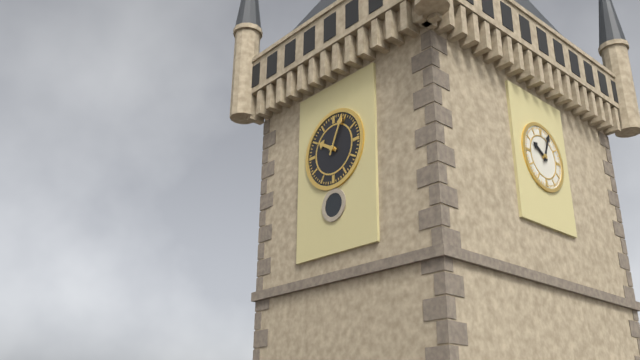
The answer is 10.04
